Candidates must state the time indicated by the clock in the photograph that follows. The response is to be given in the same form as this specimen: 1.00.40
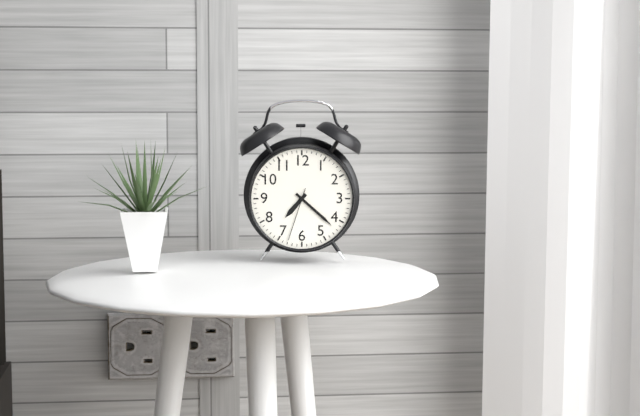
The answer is 7.22.33
